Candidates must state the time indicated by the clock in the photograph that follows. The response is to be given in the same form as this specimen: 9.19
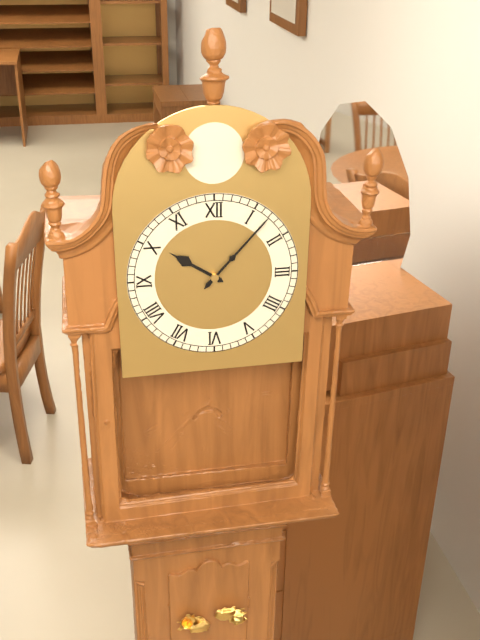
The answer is 10.07
